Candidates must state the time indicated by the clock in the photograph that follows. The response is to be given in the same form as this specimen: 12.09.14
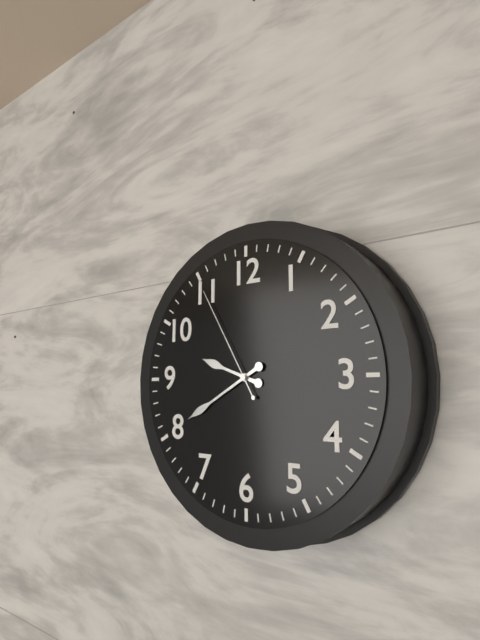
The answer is 9.40.55
